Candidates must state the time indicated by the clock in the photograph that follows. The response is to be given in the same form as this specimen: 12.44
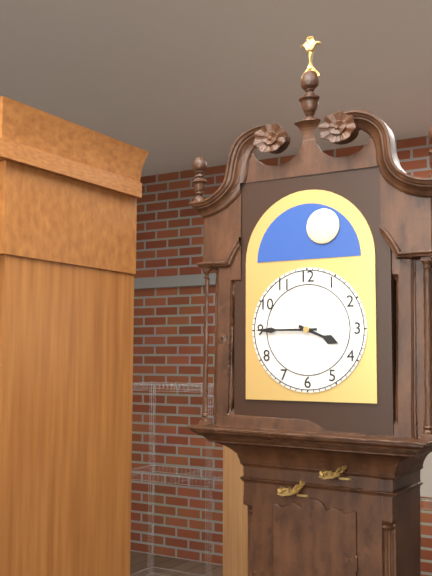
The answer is 3.45
